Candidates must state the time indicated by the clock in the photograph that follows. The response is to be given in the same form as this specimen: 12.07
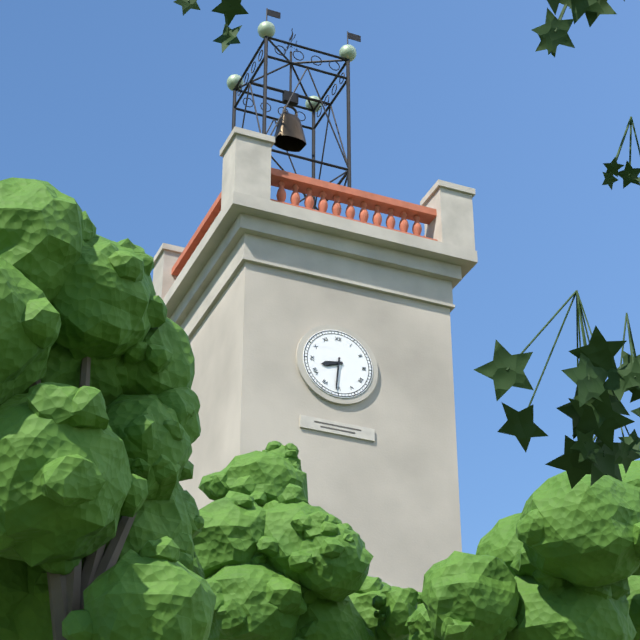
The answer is 8.31
